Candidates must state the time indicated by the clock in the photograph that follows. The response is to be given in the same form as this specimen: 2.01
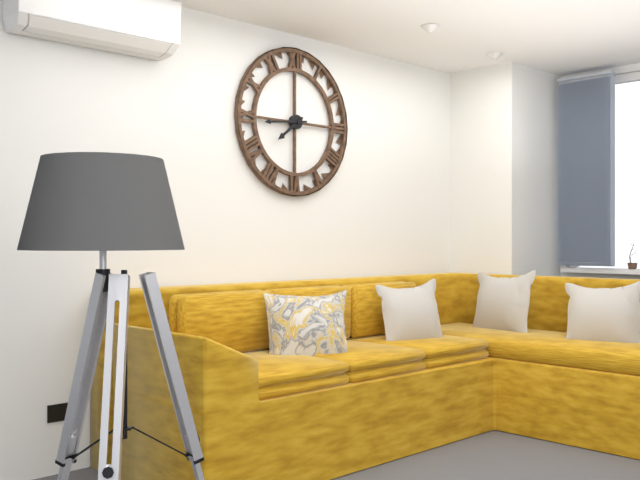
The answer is 7.44
